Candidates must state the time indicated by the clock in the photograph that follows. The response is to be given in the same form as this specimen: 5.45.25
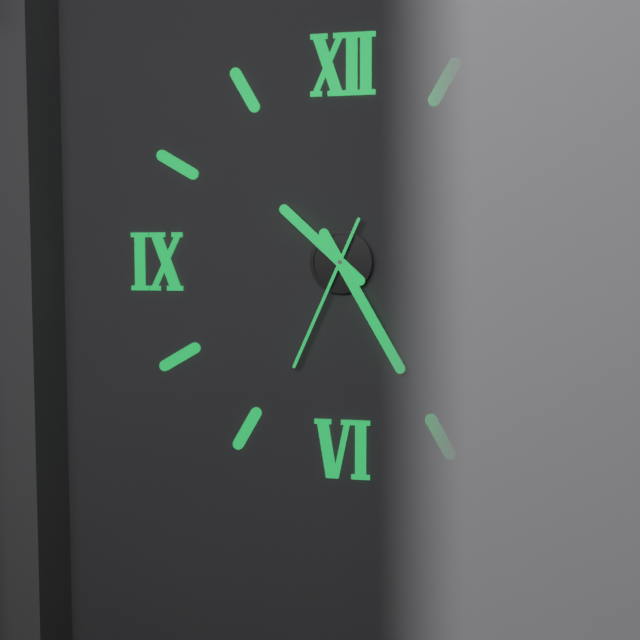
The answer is 10.25.34
